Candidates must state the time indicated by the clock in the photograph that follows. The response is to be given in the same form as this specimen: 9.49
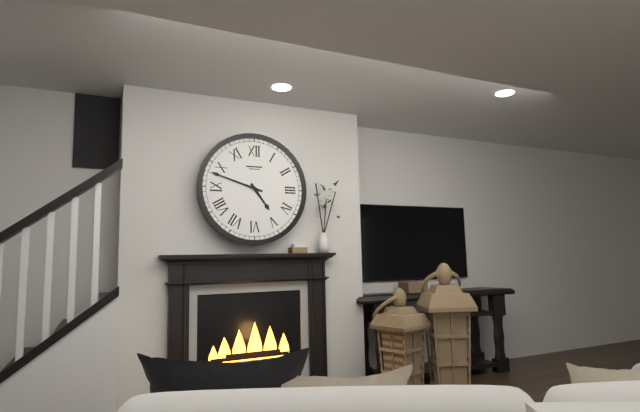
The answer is 4.48
